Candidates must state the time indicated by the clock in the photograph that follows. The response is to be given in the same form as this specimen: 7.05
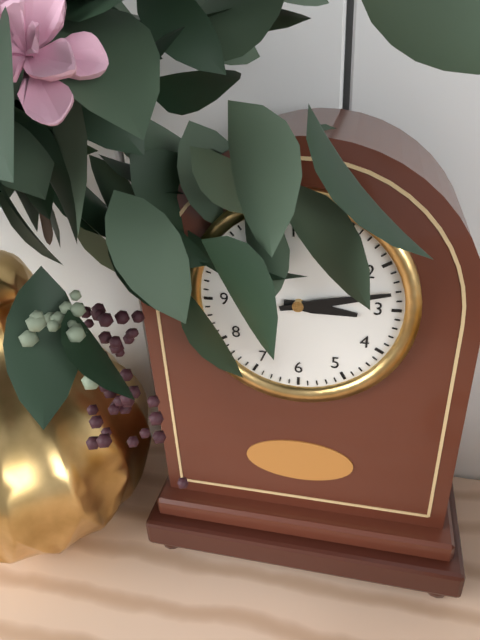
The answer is 3.13
